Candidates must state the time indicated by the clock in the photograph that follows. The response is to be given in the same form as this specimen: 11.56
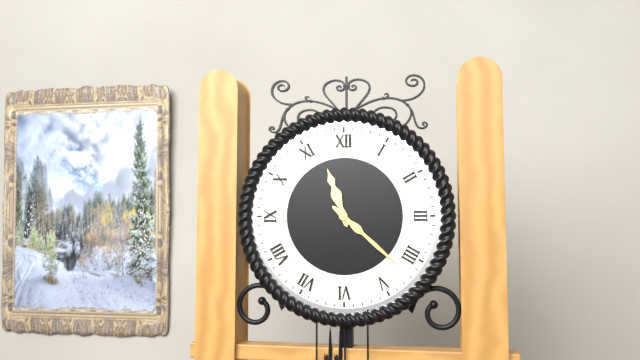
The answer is 11.22
